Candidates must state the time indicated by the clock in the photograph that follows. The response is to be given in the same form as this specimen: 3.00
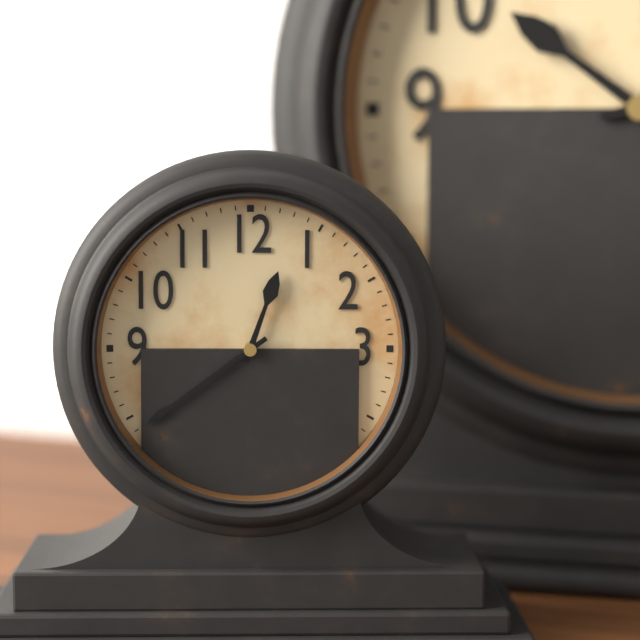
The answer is 12.39
